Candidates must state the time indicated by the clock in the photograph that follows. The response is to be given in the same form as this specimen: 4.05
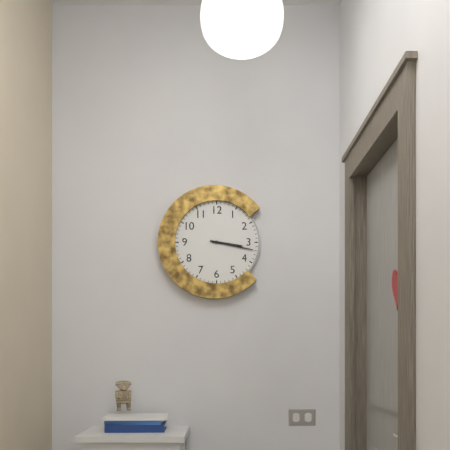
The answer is 3.17
